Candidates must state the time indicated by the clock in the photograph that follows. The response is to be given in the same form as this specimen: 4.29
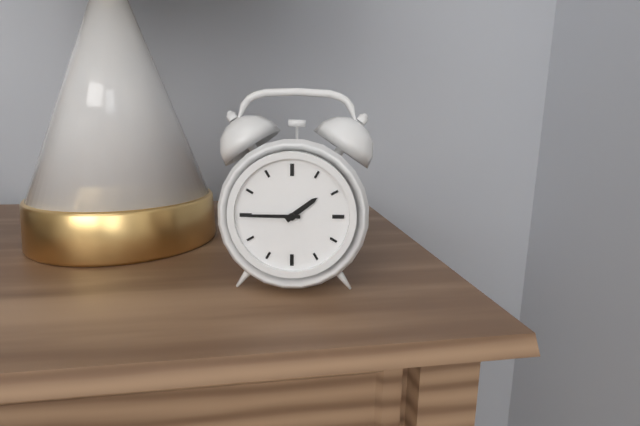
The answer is 1.45
